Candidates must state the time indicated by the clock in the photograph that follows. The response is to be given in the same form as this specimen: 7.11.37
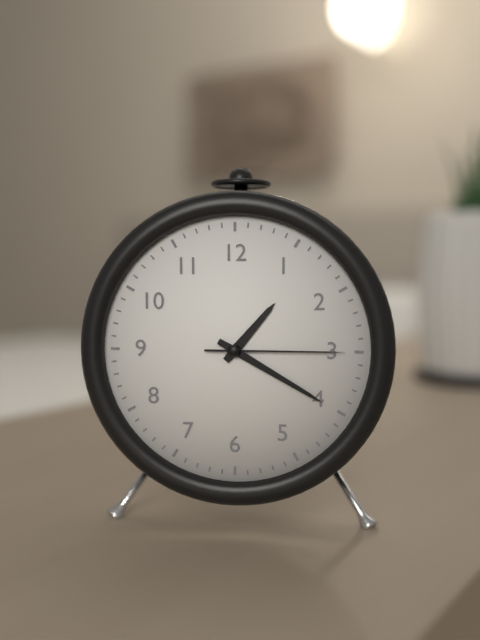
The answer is 1.20.15
